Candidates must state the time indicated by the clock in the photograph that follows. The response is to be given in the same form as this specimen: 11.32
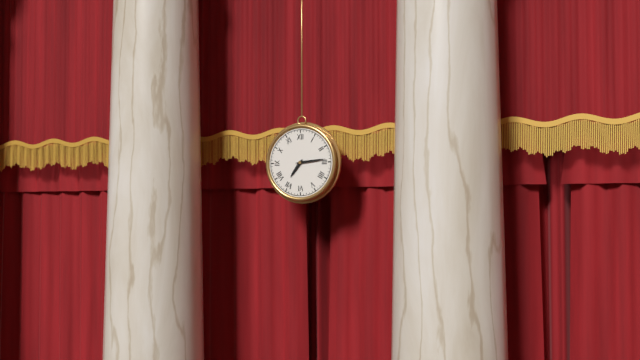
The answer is 7.14
